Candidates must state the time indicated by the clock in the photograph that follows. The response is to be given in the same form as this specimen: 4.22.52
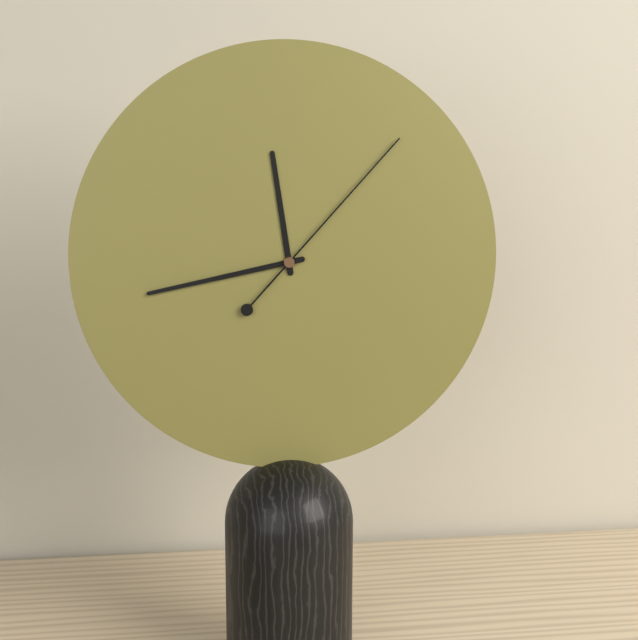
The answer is 11.43.07
